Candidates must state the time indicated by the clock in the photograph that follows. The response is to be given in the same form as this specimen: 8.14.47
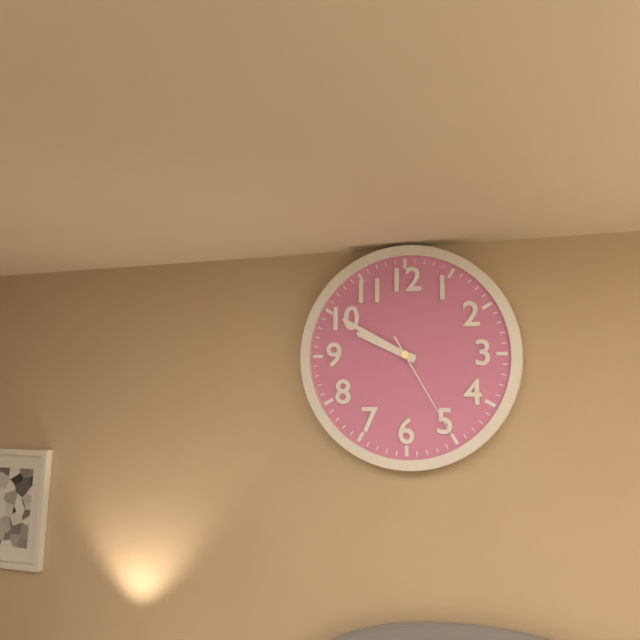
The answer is 9.50.25
